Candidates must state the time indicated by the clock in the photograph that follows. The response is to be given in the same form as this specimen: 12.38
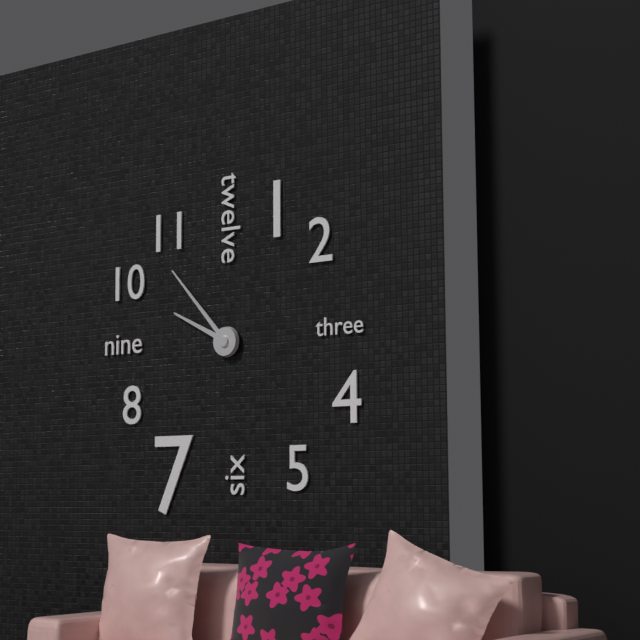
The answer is 9.53
